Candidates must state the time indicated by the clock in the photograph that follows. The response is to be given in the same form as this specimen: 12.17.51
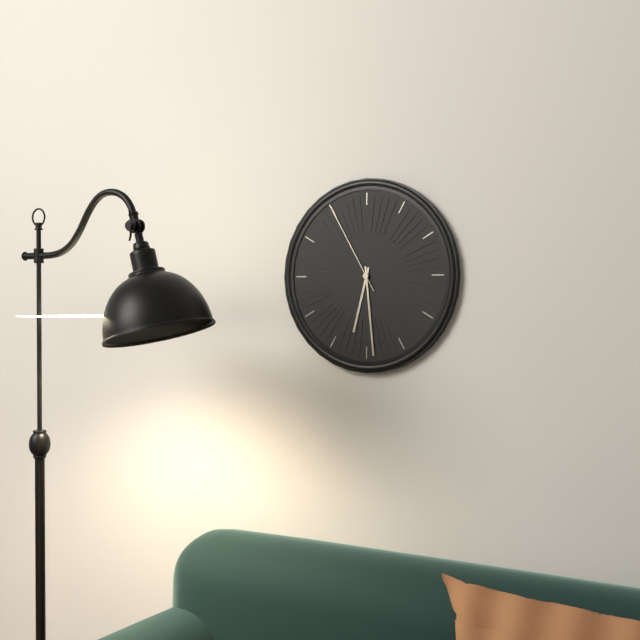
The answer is 6.29.55
